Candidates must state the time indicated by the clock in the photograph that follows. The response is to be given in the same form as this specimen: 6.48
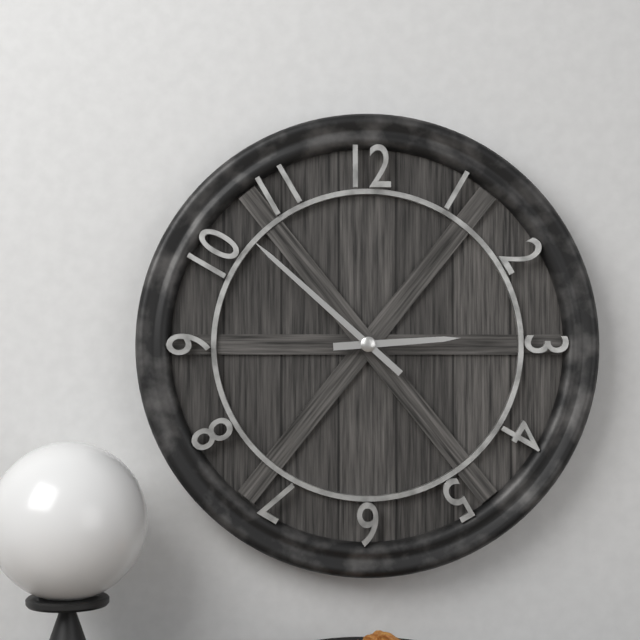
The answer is 2.52
